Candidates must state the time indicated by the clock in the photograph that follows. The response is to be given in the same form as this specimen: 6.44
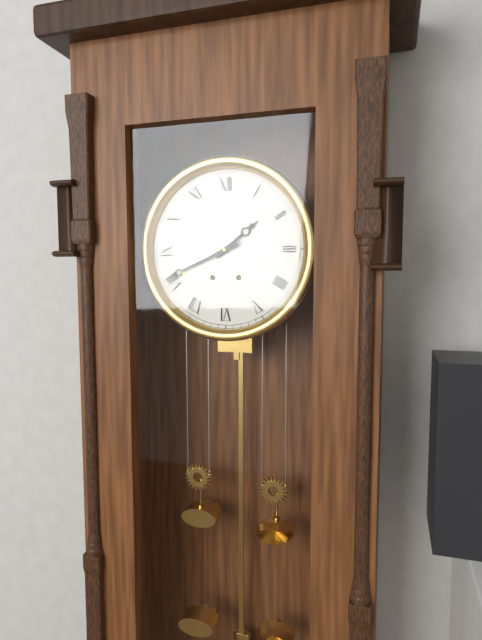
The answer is 1.41
